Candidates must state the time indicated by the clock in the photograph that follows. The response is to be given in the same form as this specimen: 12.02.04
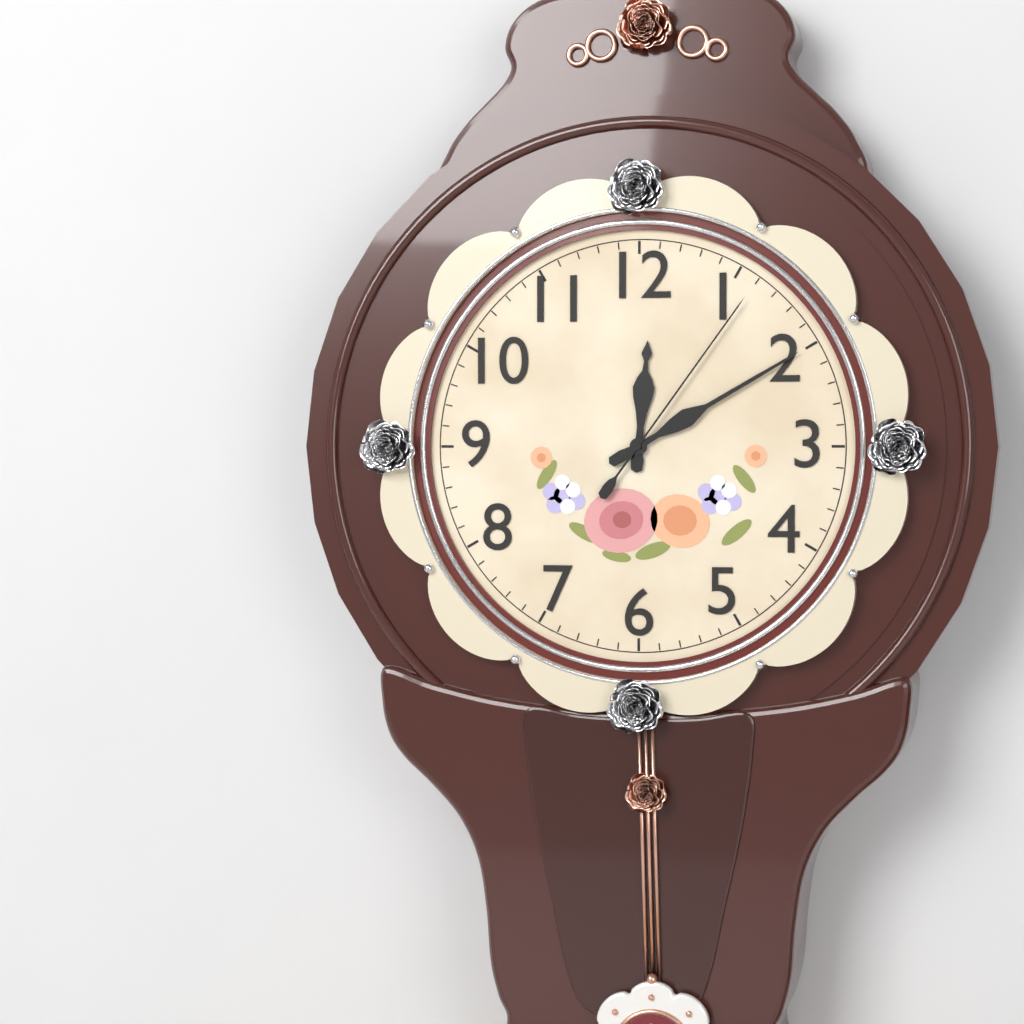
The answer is 12.10.06
